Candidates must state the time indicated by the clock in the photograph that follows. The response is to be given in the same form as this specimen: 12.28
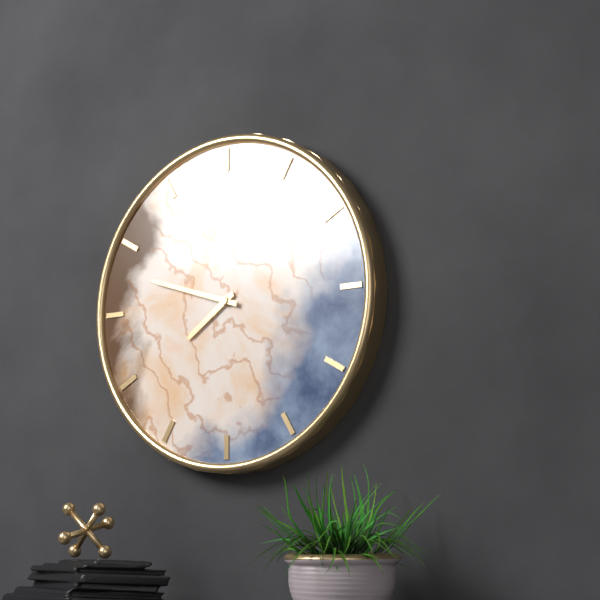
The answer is 7.48
